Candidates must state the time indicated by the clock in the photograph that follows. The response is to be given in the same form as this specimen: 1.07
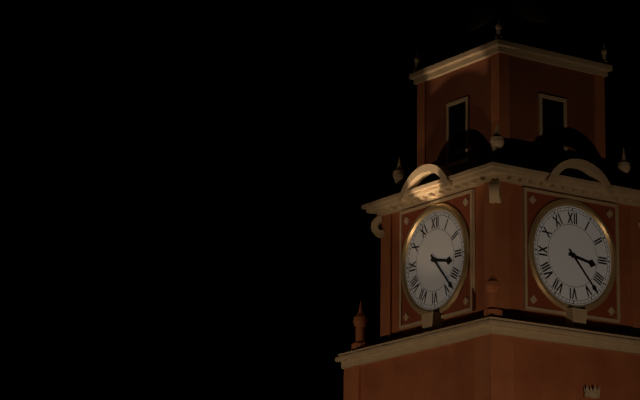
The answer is 3.23
